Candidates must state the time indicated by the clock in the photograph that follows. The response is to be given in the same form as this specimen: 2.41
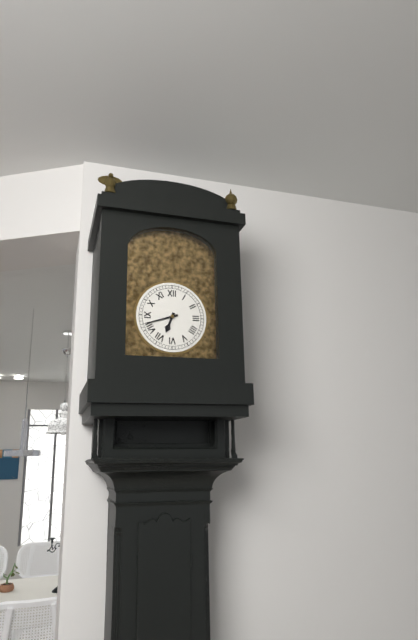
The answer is 6.42
